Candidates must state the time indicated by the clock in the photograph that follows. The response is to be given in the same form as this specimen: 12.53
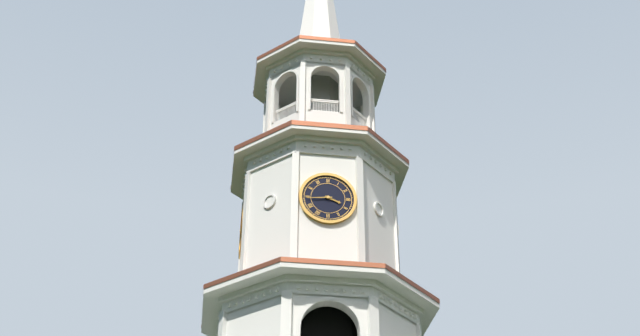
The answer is 3.44
